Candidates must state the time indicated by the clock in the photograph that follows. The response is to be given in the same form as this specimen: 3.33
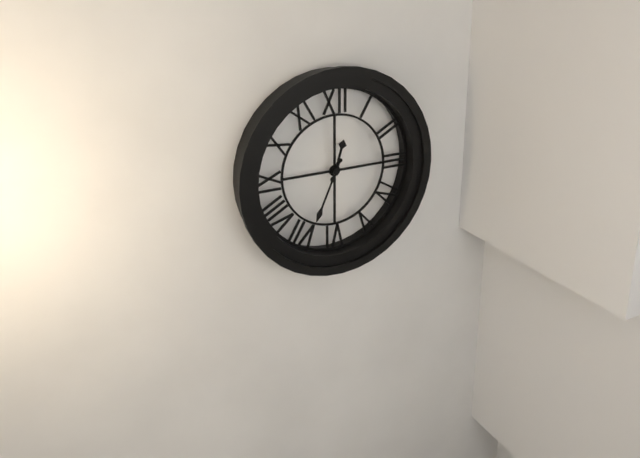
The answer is 12.34
